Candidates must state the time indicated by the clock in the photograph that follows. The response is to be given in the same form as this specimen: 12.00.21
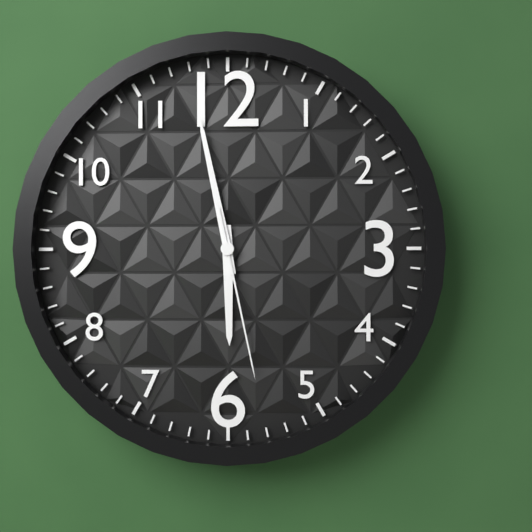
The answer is 5.58.28
